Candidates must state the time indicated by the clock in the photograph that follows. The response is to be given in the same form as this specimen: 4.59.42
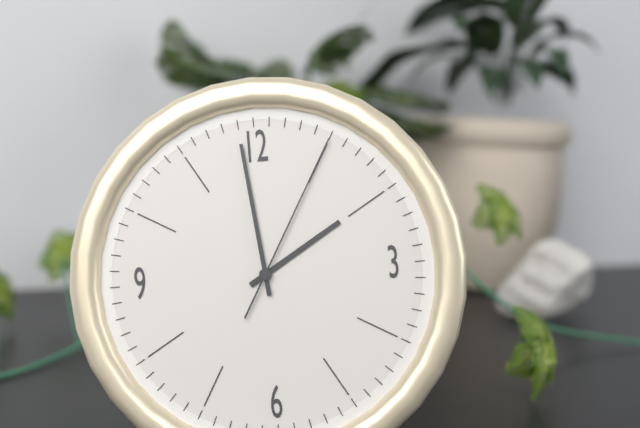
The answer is 1.59.05
